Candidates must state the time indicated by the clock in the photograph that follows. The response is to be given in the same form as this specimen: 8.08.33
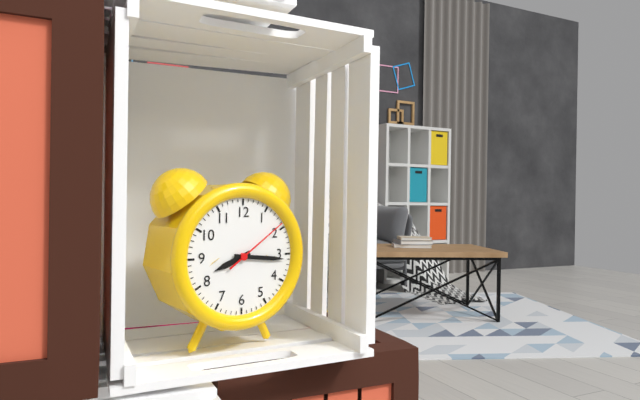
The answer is 8.16.09
